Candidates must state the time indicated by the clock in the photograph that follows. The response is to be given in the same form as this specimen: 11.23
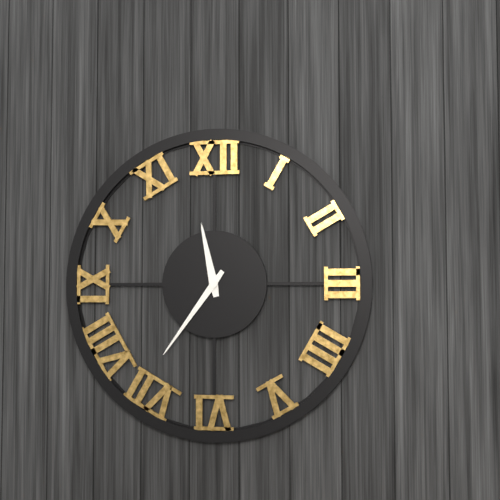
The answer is 11.36
